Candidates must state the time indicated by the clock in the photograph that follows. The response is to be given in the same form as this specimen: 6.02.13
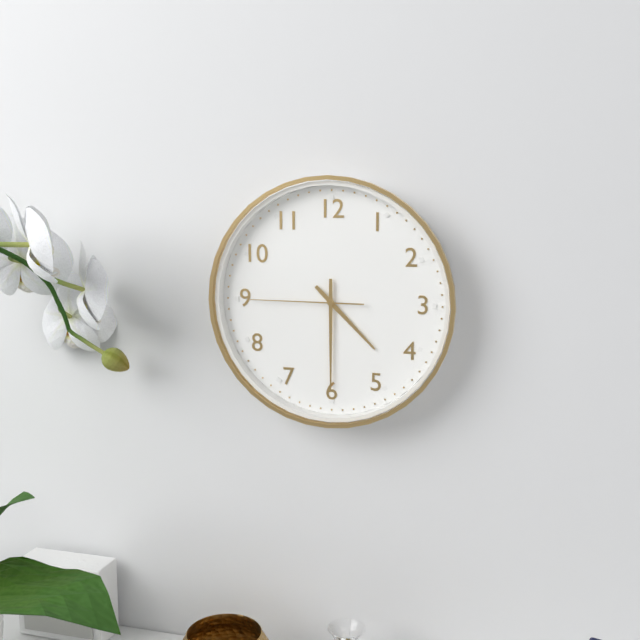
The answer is 4.30.45
